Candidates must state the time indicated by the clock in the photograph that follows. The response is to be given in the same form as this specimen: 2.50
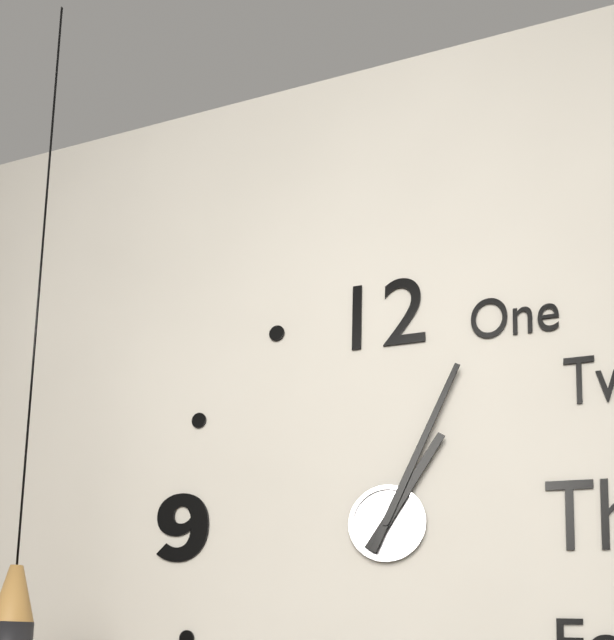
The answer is 1.04
